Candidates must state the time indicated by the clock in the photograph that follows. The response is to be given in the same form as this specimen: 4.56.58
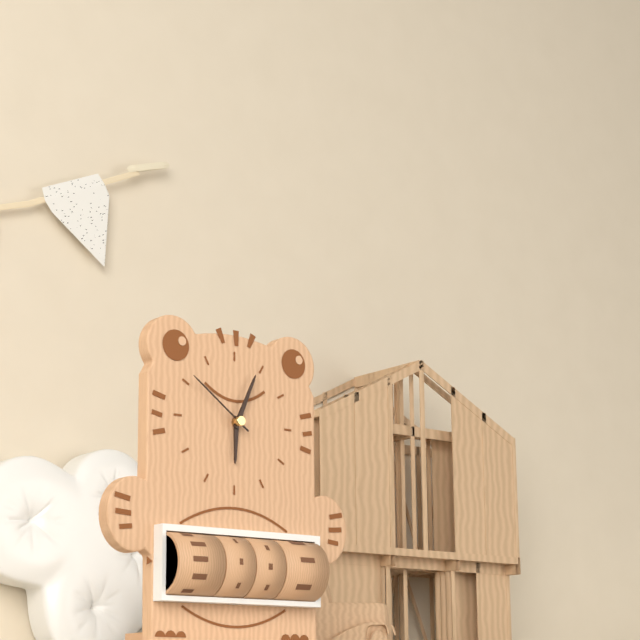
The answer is 6.04.51
